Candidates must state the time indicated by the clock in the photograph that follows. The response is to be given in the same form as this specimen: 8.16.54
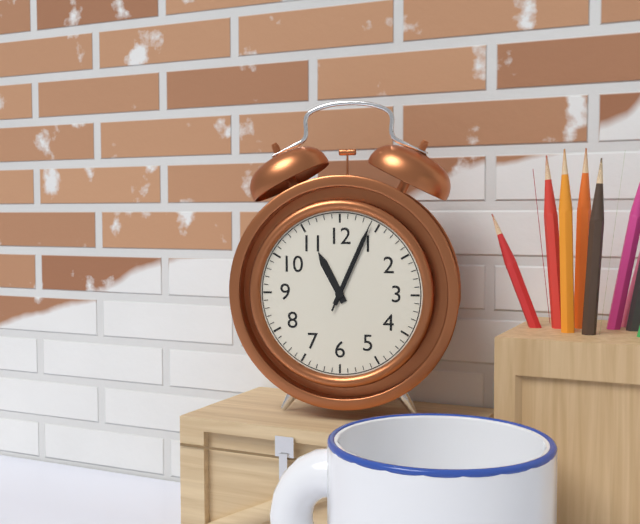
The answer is 11.04.04
